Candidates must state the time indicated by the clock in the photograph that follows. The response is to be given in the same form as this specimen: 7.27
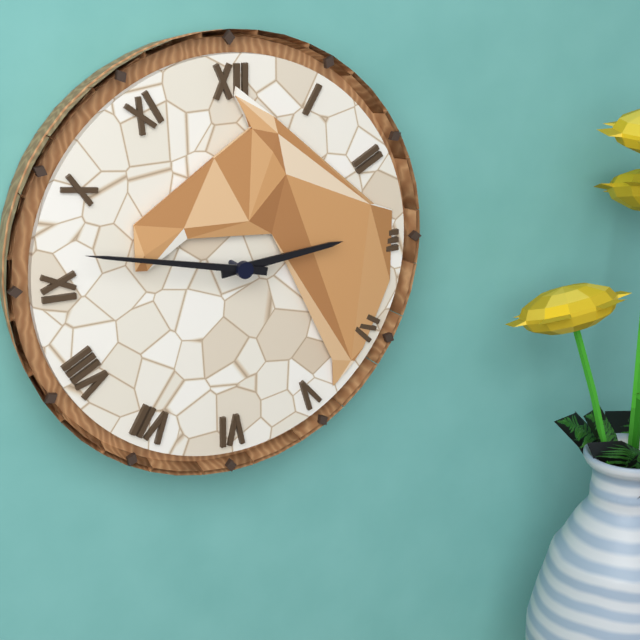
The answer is 2.47
